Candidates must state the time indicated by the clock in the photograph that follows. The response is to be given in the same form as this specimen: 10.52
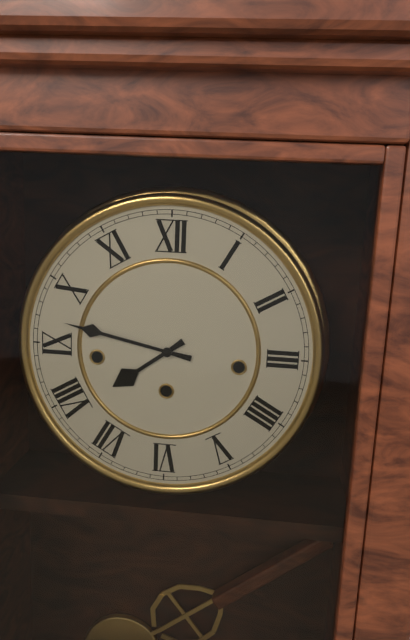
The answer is 7.47
